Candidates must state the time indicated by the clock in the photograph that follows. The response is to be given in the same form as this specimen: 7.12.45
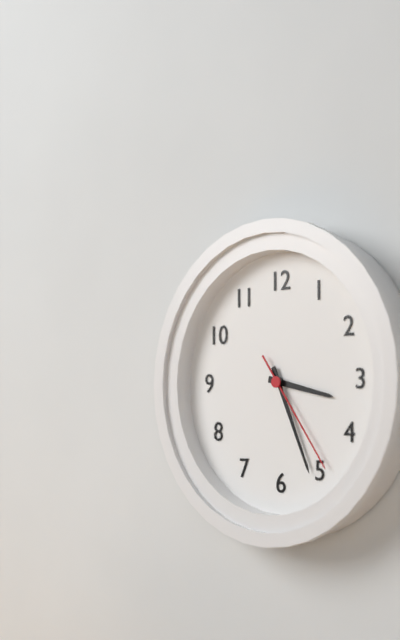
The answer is 3.26.24
